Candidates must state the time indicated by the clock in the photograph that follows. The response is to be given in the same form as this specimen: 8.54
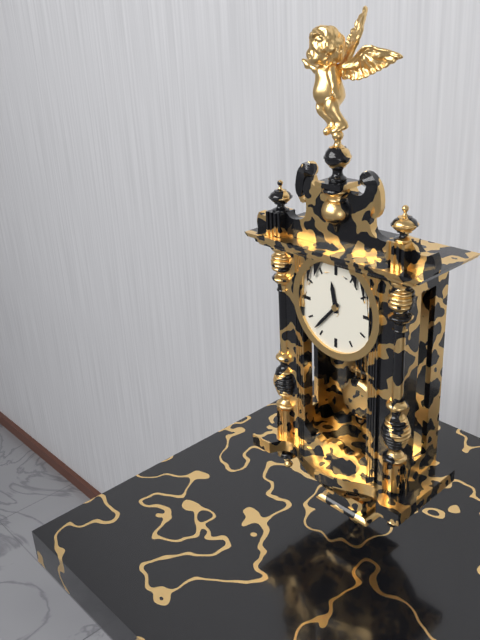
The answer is 11.37
